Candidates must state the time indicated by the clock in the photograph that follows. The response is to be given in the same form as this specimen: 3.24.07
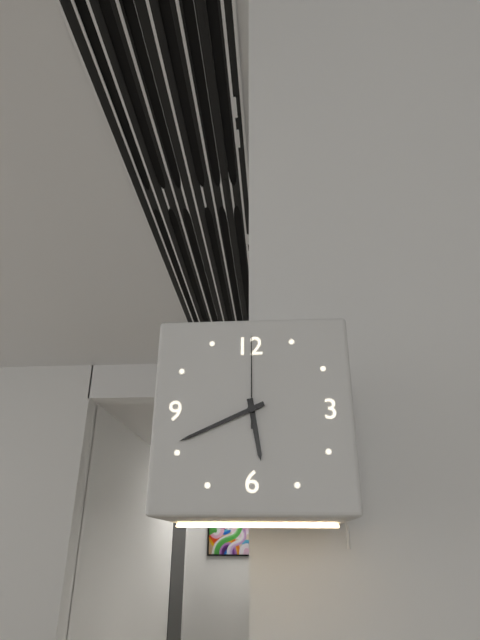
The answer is 5.41.00
